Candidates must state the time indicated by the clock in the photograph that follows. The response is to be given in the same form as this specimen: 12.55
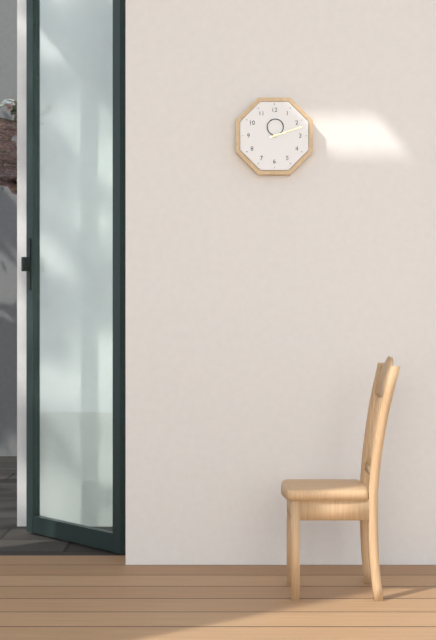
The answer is 12.12
